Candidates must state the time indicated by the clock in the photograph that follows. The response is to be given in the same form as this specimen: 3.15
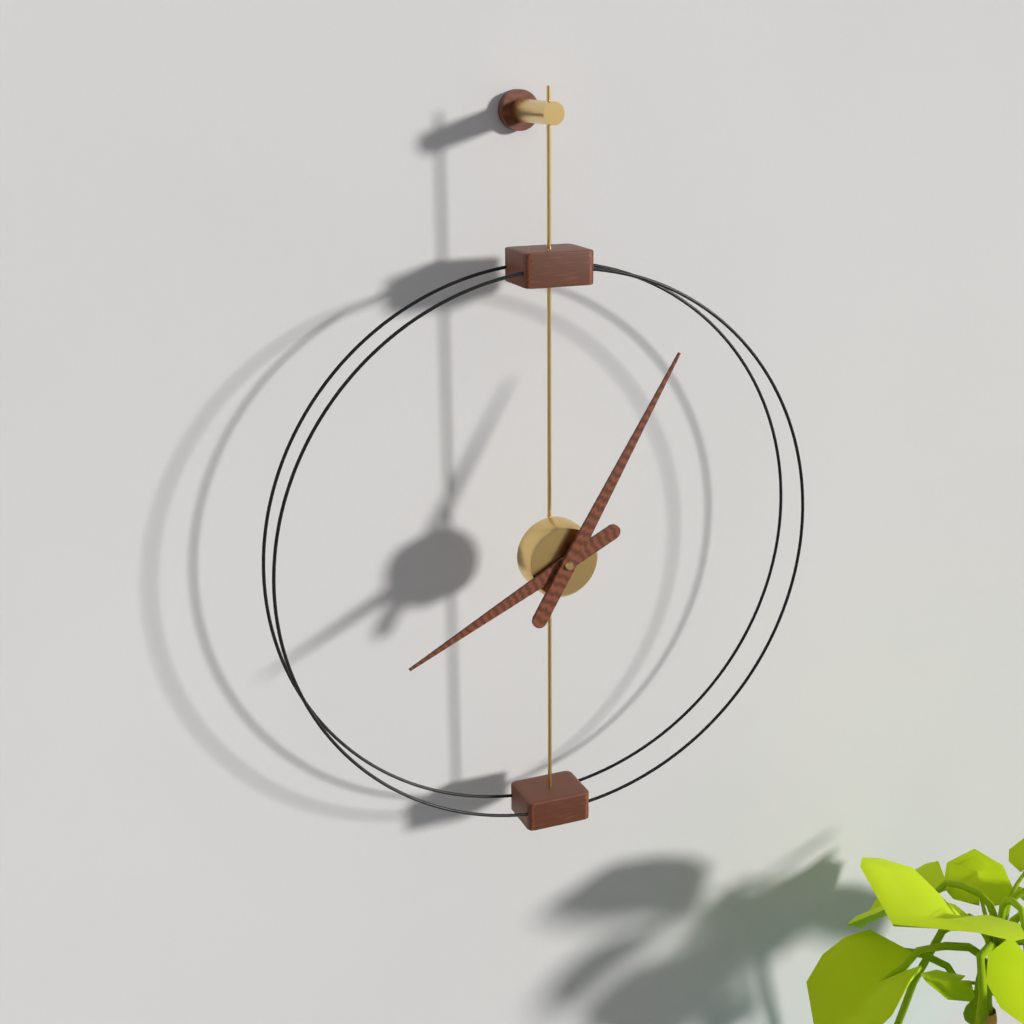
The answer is 8.05
